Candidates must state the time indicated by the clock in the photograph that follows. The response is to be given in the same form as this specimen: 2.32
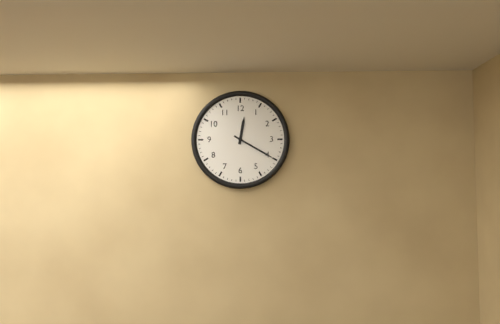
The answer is 12.20
